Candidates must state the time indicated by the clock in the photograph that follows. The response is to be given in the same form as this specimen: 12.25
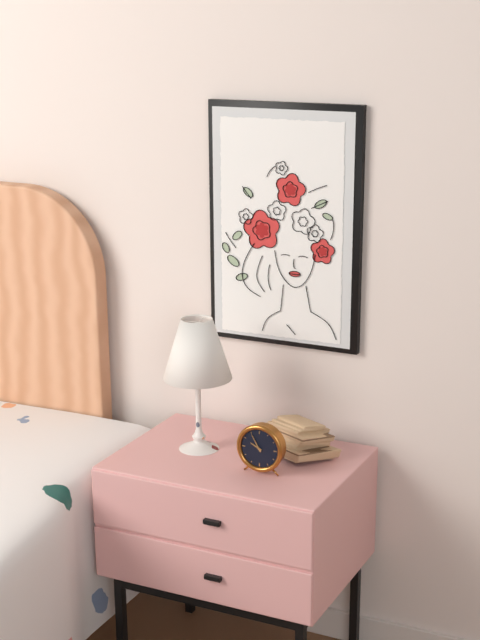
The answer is 9.55
